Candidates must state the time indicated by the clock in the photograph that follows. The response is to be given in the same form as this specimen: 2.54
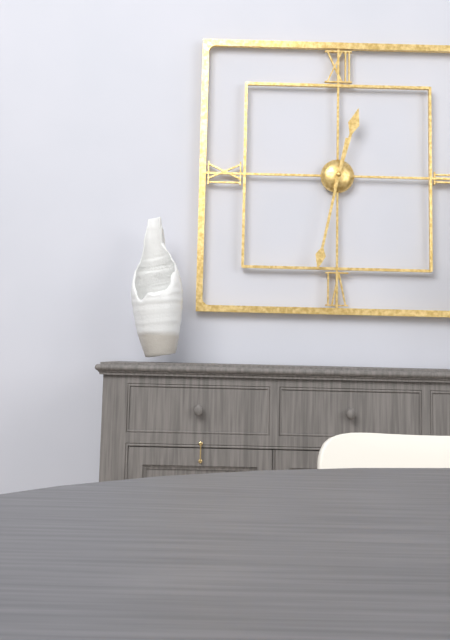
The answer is 12.32
